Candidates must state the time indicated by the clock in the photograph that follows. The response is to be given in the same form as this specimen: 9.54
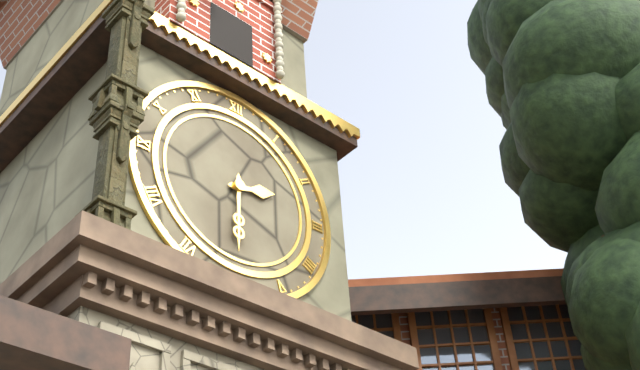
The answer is 2.30
